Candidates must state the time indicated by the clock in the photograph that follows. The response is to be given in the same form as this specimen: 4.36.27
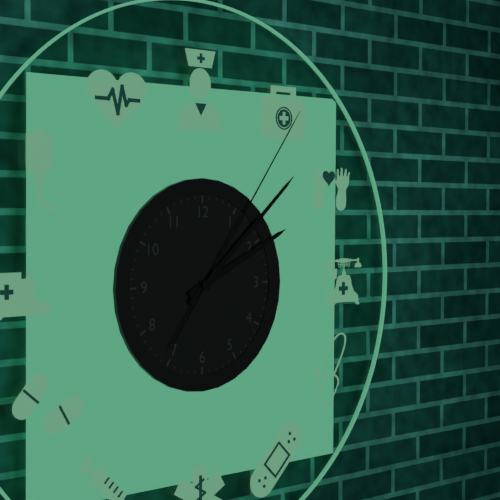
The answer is 2.08.06
